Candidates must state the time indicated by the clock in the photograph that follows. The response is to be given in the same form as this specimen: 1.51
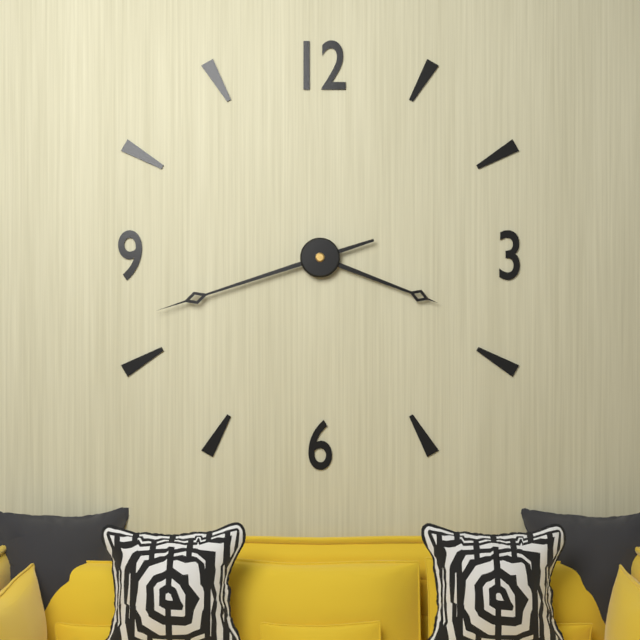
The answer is 3.42
